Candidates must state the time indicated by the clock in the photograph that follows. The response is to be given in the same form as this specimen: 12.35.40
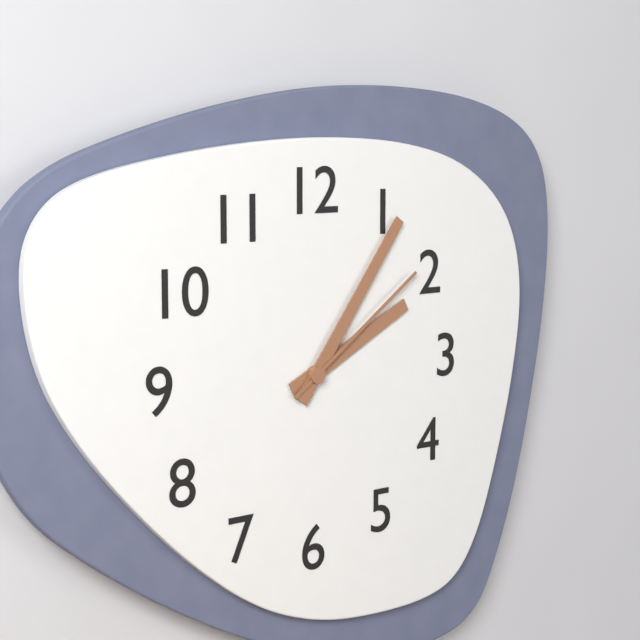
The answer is 2.06.09
